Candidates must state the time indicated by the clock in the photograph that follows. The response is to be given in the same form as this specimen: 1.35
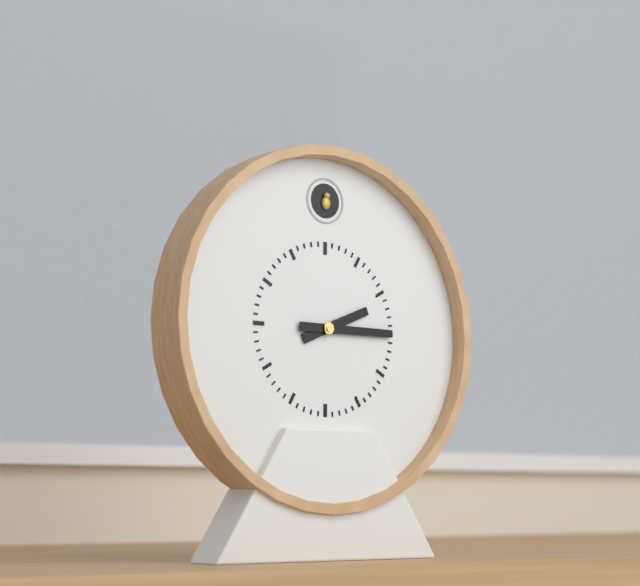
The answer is 2.15
